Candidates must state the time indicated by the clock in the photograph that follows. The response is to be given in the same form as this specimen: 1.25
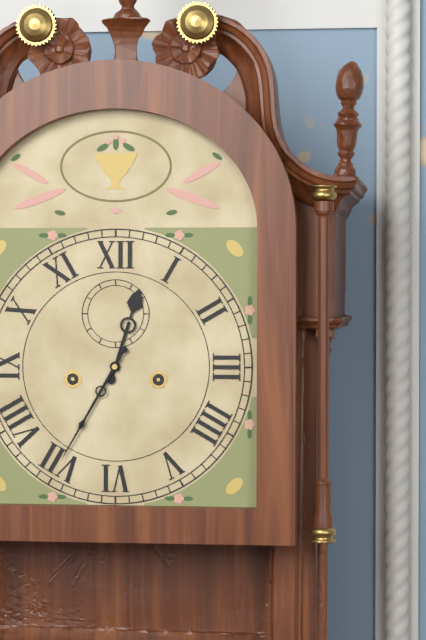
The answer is 12.35
